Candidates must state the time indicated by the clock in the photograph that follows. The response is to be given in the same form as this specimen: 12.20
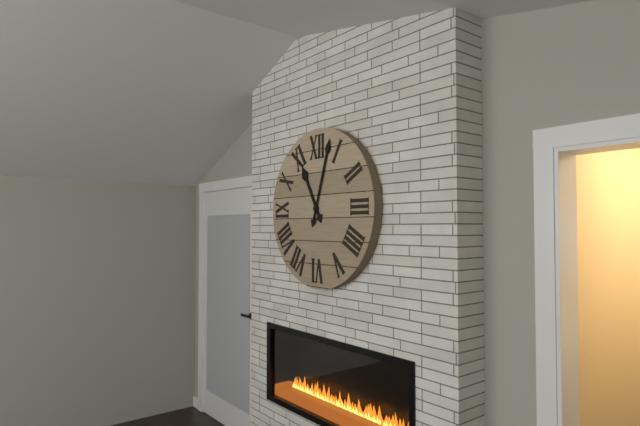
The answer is 11.03
